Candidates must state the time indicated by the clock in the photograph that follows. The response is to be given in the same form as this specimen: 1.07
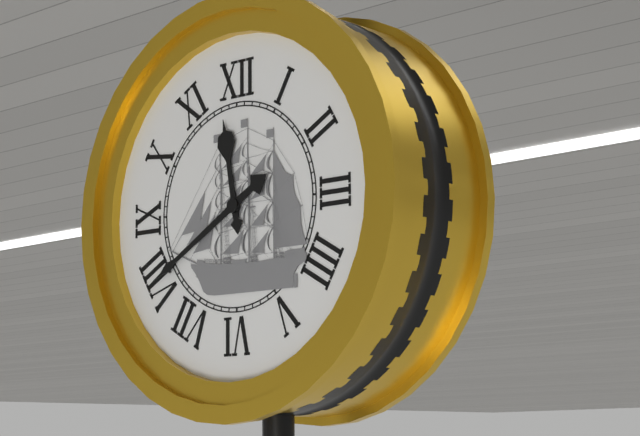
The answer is 11.40
